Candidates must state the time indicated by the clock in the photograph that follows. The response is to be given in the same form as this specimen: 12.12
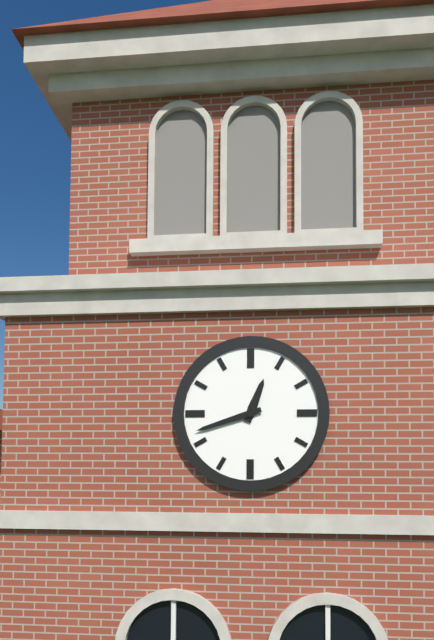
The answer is 12.42
